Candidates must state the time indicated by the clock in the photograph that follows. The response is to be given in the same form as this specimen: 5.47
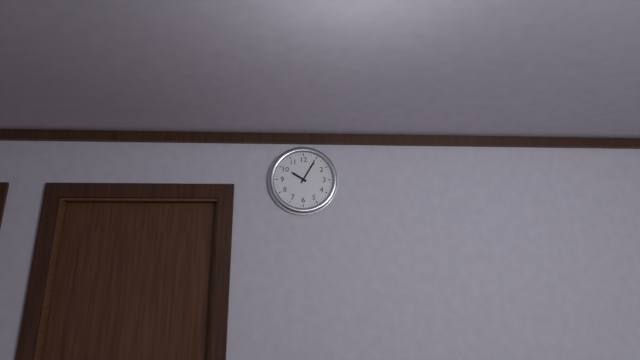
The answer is 10.05
